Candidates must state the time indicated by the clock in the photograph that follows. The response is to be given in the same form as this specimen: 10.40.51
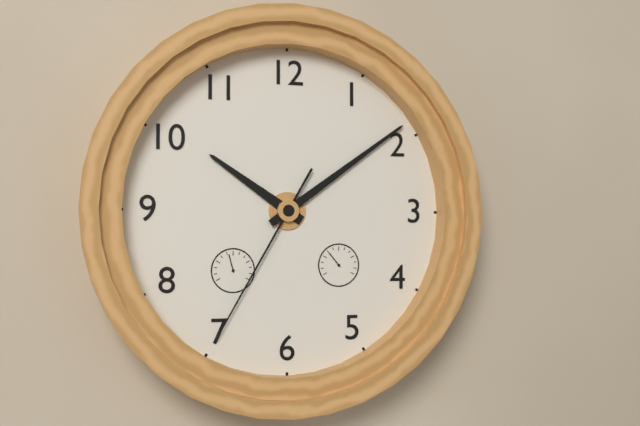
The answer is 10.09.35
